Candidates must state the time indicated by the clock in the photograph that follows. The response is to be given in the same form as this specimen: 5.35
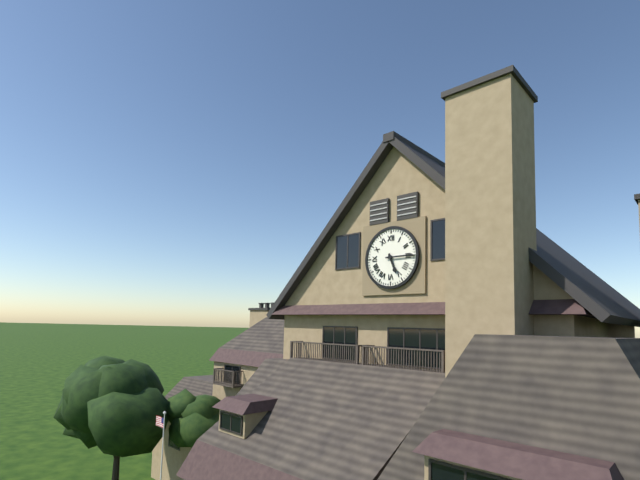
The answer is 5.15
